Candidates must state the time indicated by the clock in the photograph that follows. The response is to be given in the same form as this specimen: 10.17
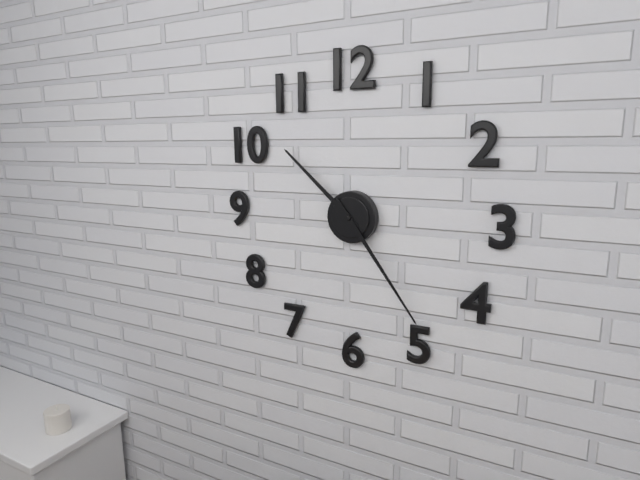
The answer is 10.24
